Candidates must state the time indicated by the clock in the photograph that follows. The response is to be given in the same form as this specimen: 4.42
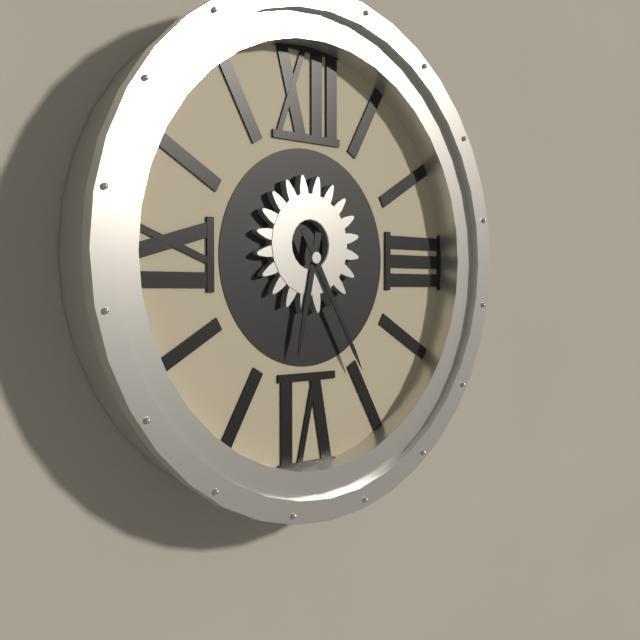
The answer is 6.25
